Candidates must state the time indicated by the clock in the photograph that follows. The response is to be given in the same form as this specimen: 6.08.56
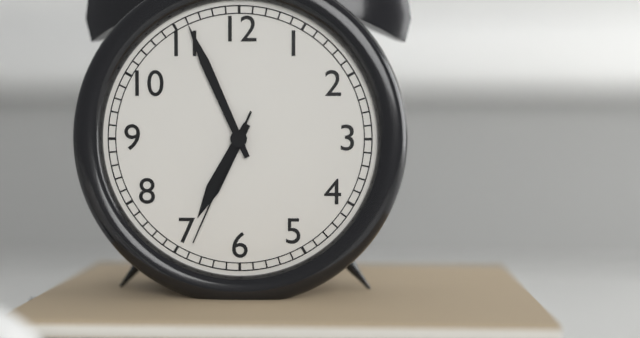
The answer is 6.56.34
